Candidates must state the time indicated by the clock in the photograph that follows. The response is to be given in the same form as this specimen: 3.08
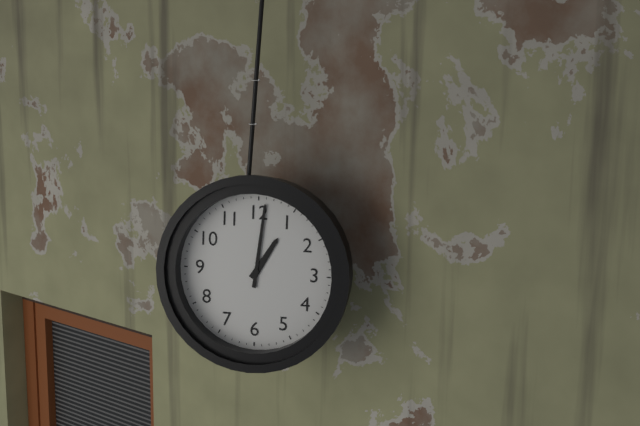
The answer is 1.01
